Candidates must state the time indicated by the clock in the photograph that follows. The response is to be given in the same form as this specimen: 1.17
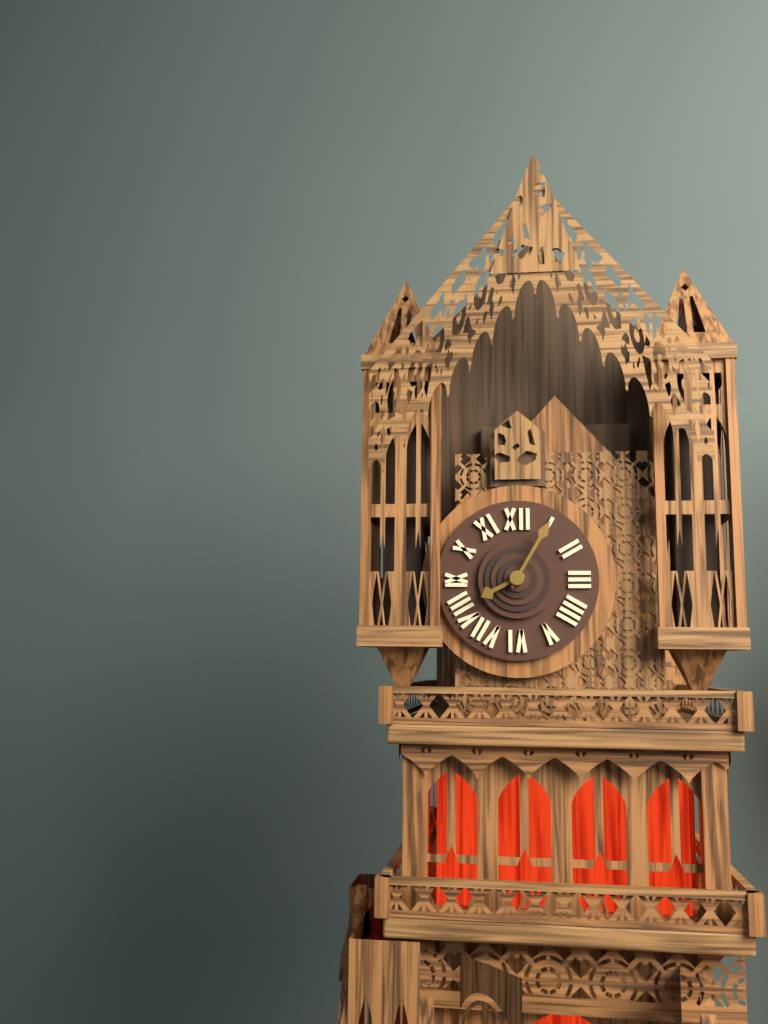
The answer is 8.05
